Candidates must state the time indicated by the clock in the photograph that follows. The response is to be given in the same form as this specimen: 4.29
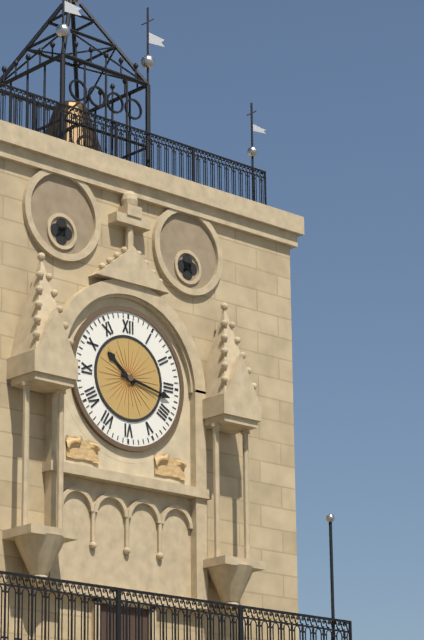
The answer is 10.17
